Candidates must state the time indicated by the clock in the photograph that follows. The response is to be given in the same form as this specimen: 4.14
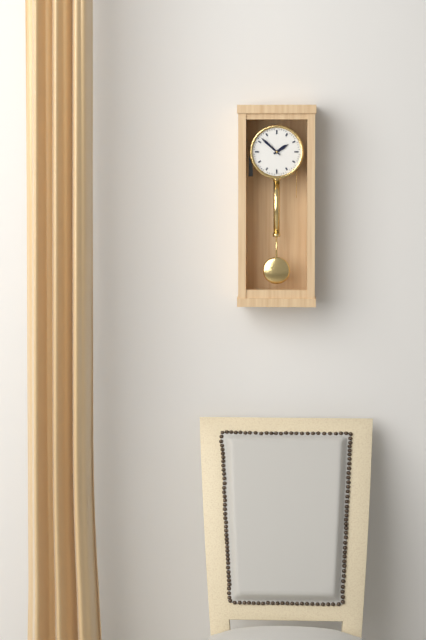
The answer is 1.52
